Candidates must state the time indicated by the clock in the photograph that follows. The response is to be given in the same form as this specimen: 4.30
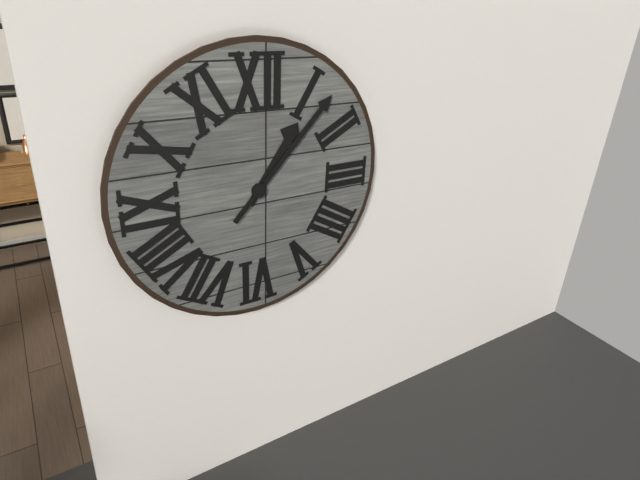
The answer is 1.07
